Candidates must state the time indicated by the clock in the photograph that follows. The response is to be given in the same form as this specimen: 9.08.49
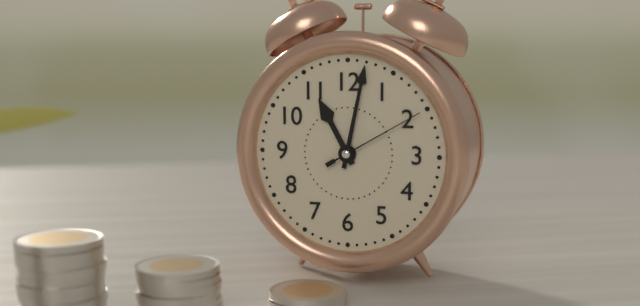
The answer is 11.02.10
